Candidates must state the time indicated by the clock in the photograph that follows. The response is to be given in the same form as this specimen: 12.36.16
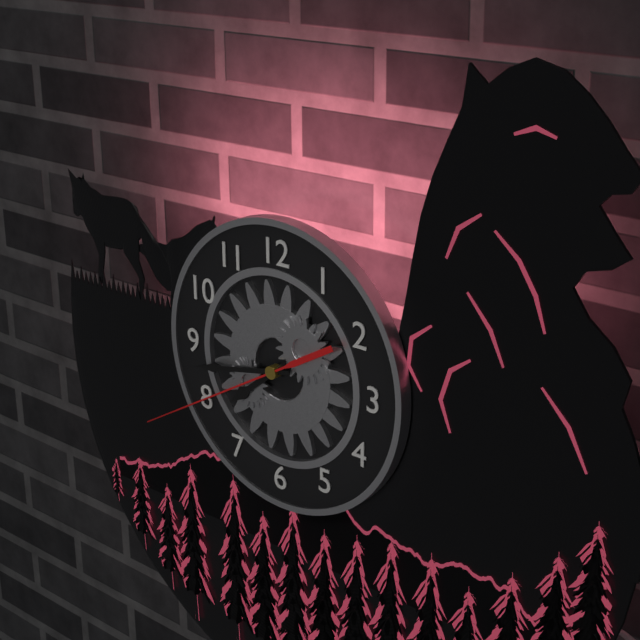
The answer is 7.43.40
